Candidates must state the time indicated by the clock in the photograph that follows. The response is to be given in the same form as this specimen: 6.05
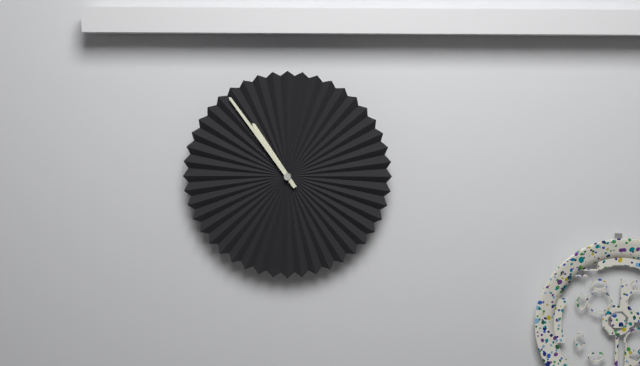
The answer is 10.54
